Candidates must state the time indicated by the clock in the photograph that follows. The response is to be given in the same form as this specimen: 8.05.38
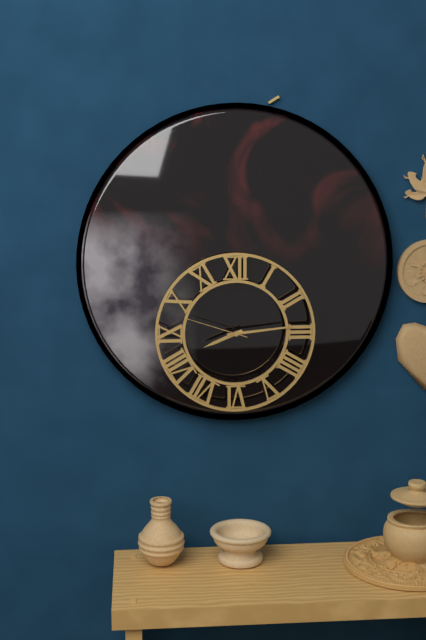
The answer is 8.14.48
